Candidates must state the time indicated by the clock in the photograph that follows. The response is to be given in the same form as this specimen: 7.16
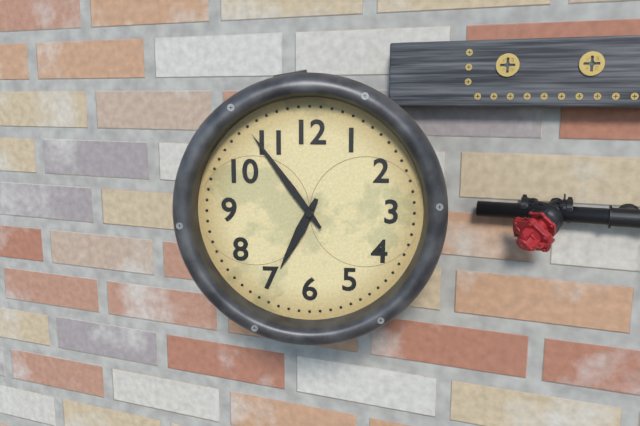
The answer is 6.54
